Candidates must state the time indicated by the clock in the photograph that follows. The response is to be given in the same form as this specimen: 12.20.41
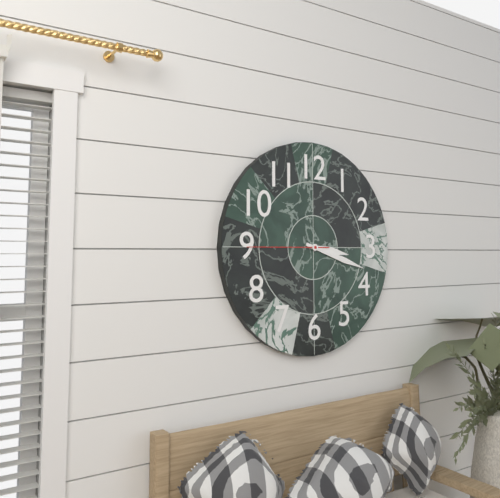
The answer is 3.18.45
